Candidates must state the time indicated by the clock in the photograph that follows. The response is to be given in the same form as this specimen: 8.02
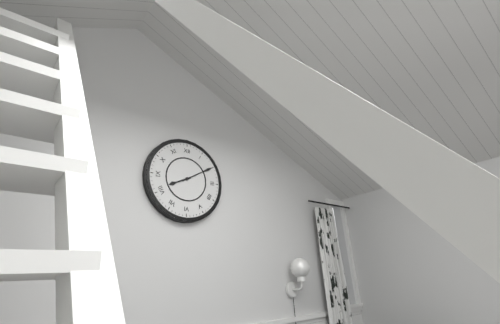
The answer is 8.10
